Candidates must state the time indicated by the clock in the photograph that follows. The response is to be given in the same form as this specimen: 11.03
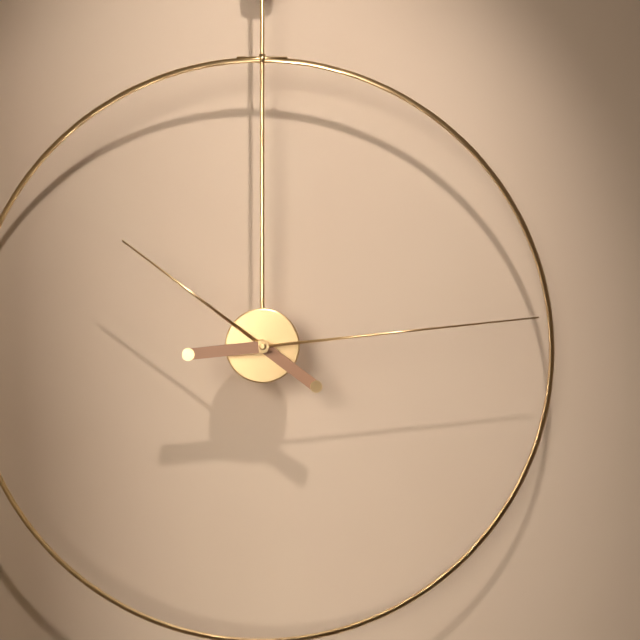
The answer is 10.14
